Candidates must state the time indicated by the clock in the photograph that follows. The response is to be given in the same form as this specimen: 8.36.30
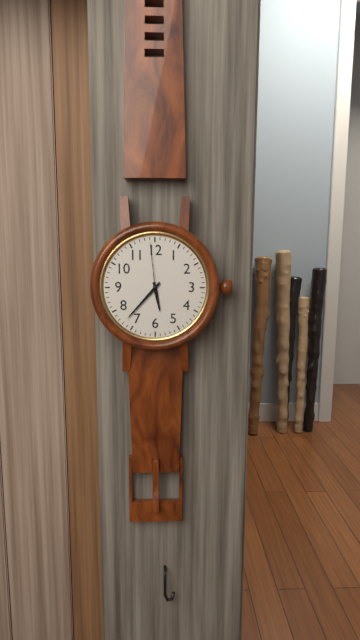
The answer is 5.37.59
